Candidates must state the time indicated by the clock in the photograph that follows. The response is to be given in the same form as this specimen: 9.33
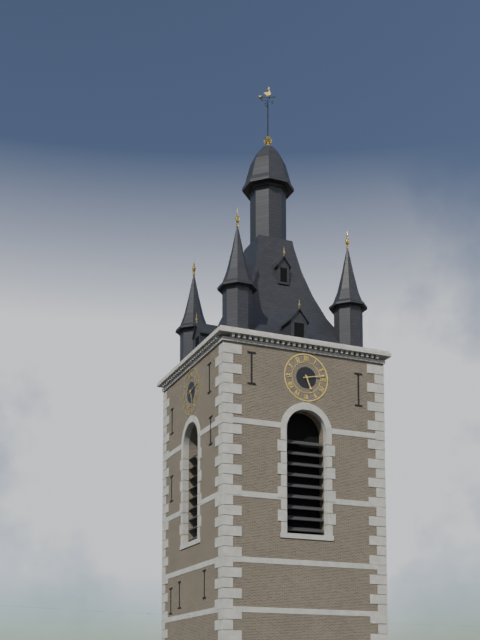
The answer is 5.13
